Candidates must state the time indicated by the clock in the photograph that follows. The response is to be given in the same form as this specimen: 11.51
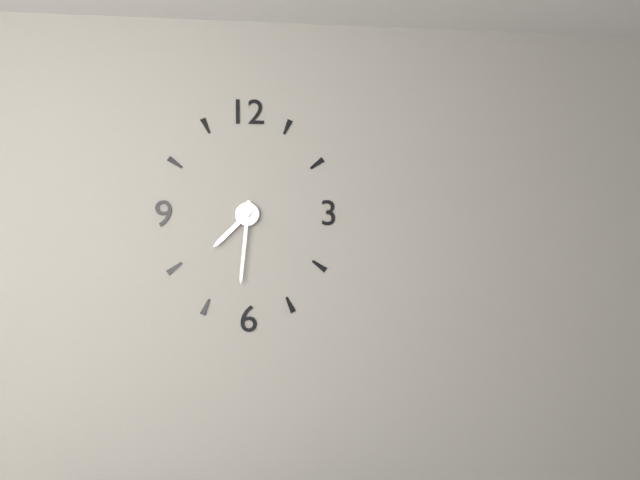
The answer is 7.31
